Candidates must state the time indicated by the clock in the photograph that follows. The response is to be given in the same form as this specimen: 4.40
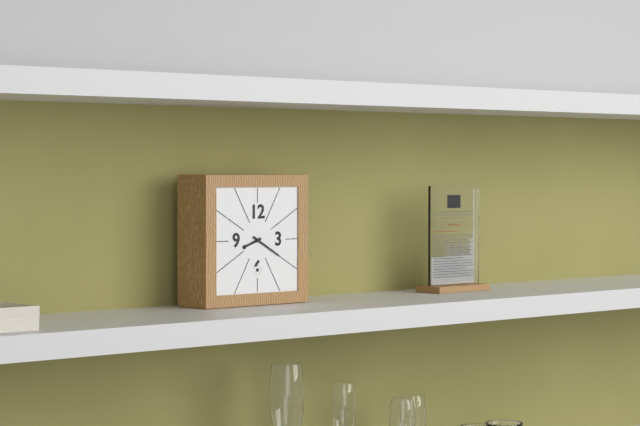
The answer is 8.20
